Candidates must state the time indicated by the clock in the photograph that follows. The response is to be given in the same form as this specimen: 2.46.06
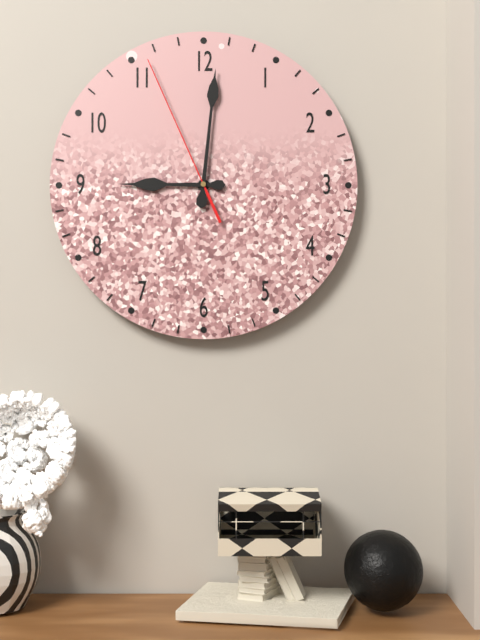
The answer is 9.01.56
